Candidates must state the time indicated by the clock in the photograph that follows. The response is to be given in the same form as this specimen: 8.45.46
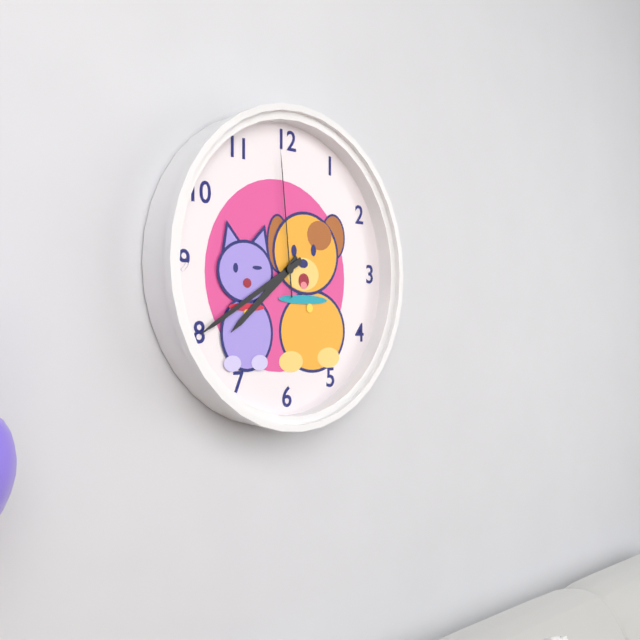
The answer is 7.40.59
